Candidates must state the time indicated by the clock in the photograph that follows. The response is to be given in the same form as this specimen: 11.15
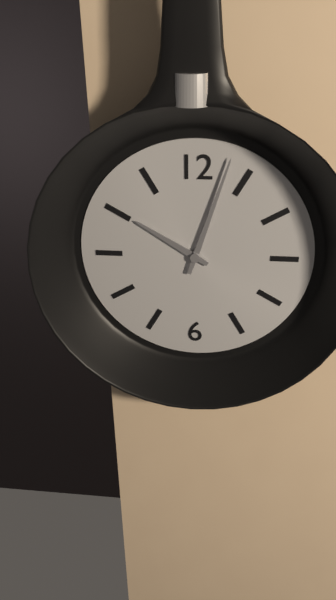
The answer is 10.03
